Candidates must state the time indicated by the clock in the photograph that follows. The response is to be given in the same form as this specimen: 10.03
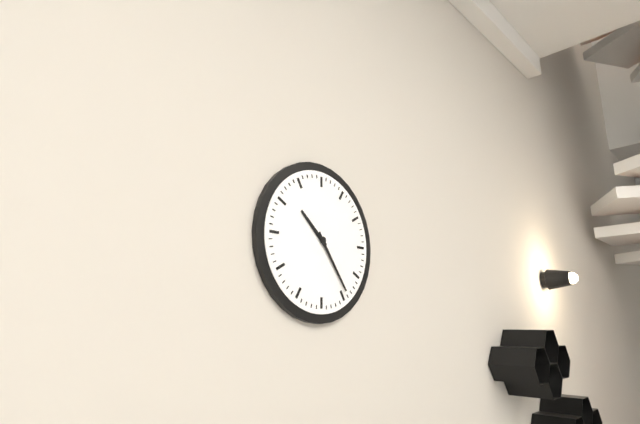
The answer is 10.24
